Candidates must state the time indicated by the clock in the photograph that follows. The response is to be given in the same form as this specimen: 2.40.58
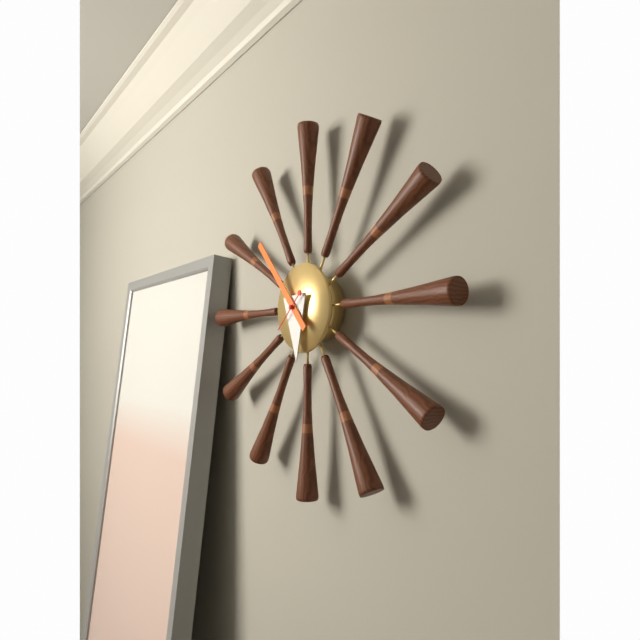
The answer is 5.53.38
